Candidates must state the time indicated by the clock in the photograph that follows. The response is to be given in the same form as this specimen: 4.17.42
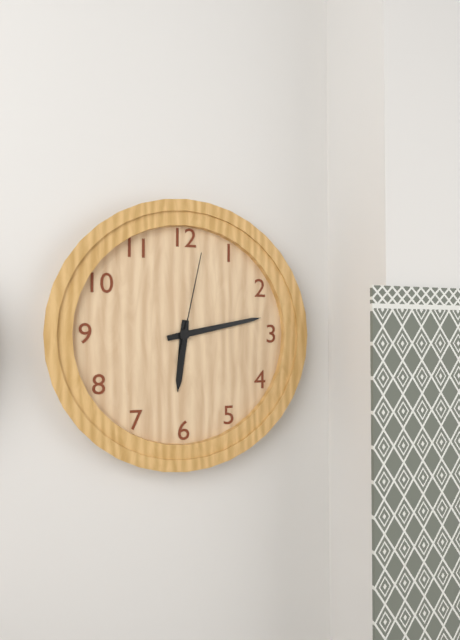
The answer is 6.13.02
